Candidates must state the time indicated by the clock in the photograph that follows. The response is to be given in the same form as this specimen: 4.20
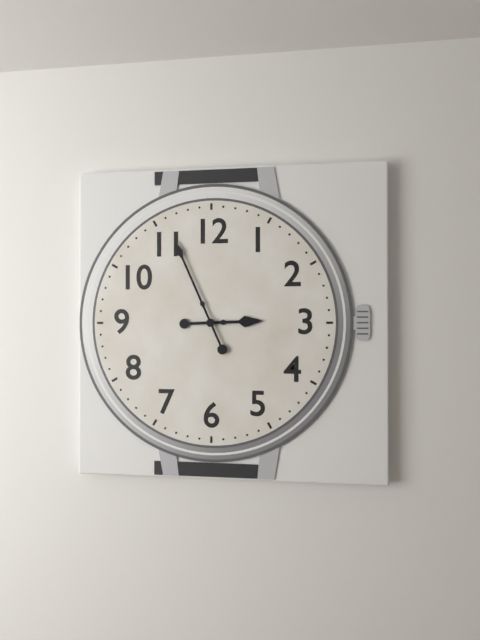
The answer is 2.56
